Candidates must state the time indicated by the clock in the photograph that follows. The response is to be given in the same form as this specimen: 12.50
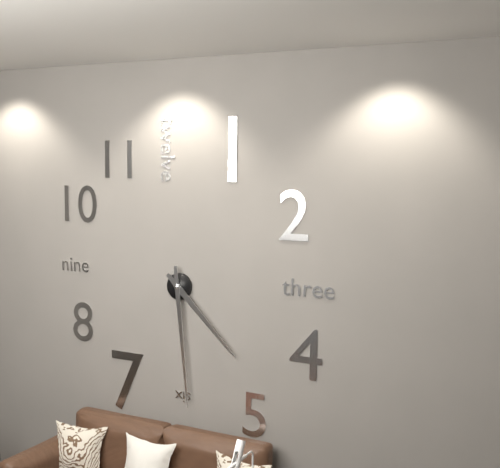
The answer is 4.29
